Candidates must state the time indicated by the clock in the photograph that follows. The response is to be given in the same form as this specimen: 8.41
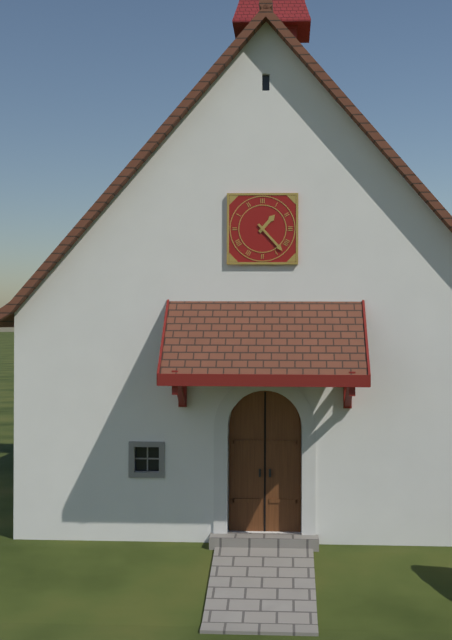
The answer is 1.23
